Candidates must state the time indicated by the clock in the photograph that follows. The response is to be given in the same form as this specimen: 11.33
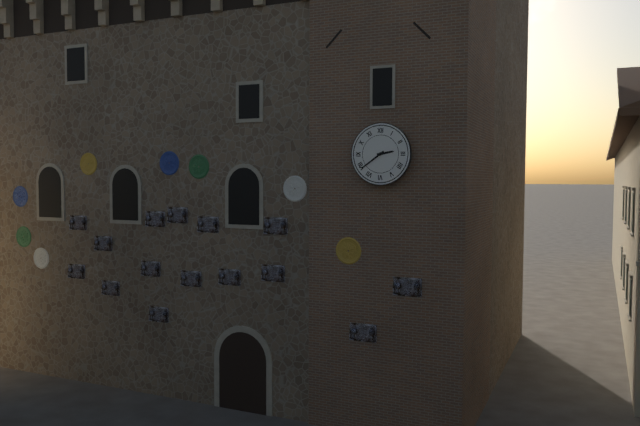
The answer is 2.39
